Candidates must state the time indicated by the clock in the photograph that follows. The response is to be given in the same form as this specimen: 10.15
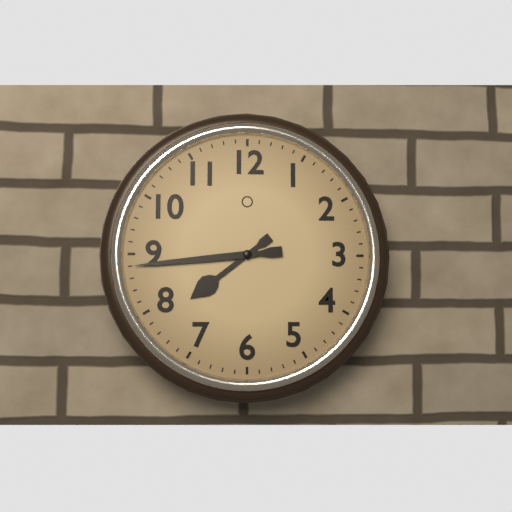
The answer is 7.44
